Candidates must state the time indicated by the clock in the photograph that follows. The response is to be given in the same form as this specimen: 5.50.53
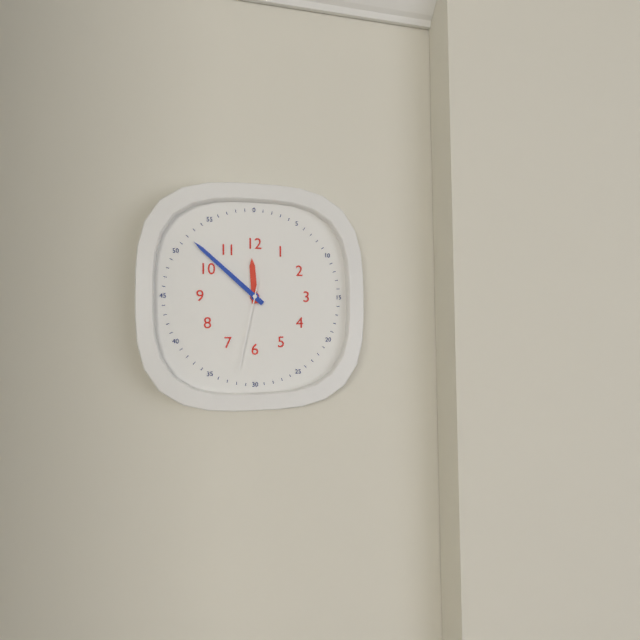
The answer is 11.52.32
